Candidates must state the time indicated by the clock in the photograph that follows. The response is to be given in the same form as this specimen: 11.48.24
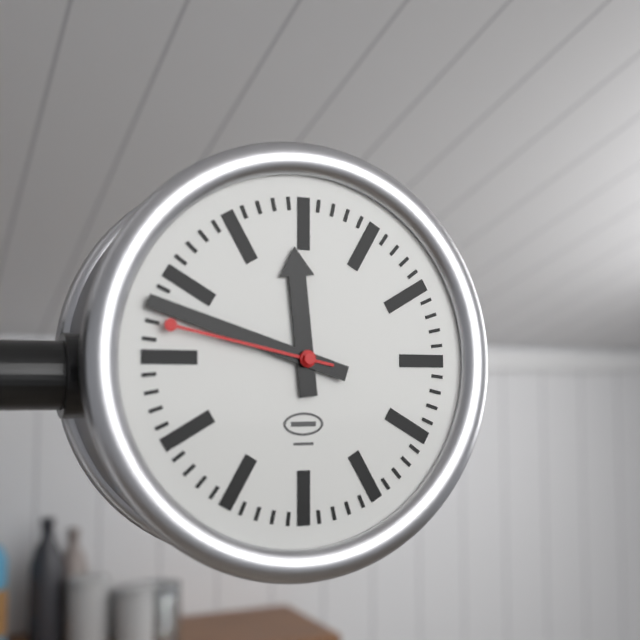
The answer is 11.48.47
